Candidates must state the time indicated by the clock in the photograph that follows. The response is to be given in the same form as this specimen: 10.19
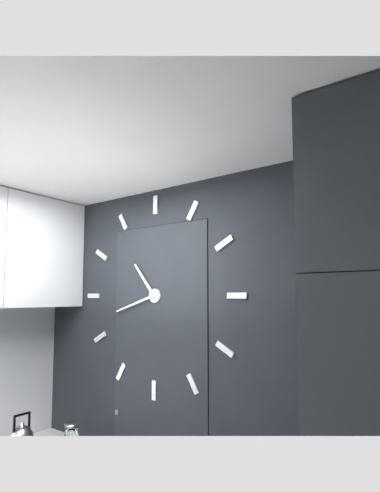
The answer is 10.42
